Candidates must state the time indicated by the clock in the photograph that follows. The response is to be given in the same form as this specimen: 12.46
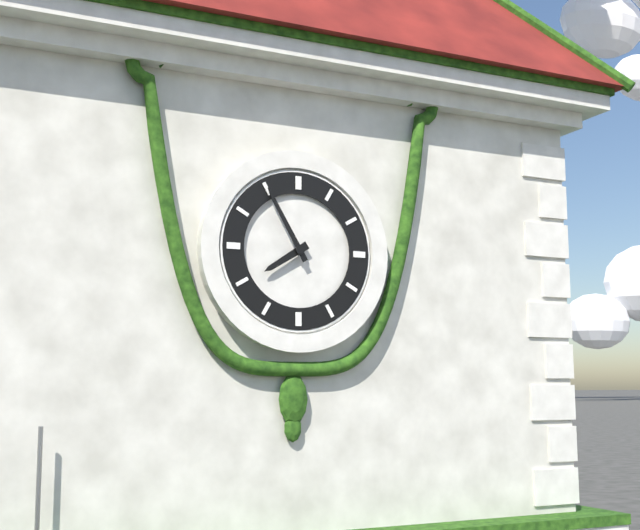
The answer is 7.55
